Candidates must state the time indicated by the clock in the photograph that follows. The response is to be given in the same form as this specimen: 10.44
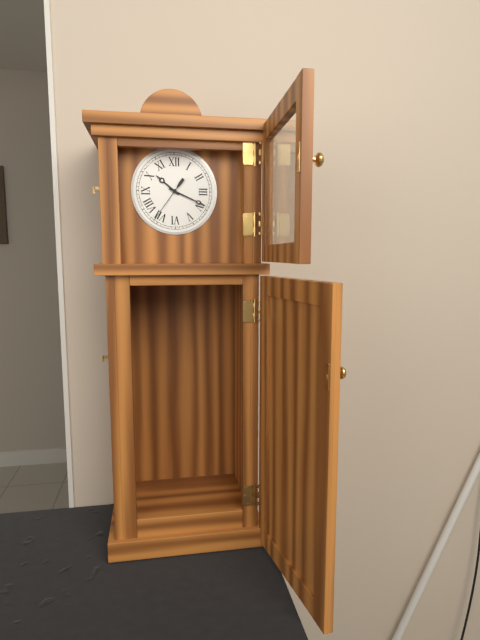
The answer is 10.19
